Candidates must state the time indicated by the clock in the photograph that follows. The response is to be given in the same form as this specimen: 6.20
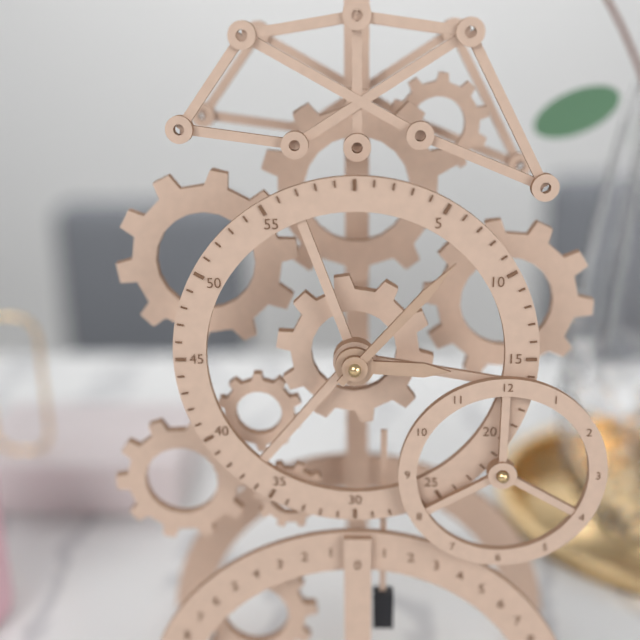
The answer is 3.07
